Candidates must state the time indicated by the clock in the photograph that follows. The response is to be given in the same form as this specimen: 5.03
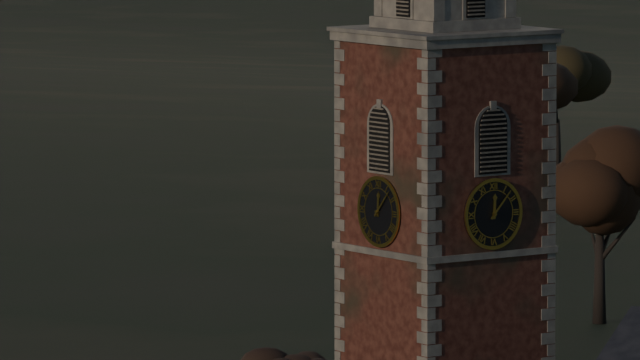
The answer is 12.07
